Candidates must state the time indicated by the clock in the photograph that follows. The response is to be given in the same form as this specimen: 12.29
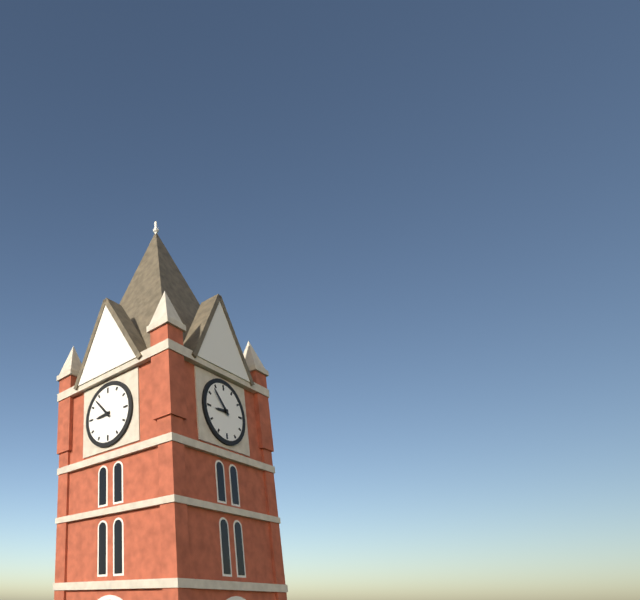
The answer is 8.53
